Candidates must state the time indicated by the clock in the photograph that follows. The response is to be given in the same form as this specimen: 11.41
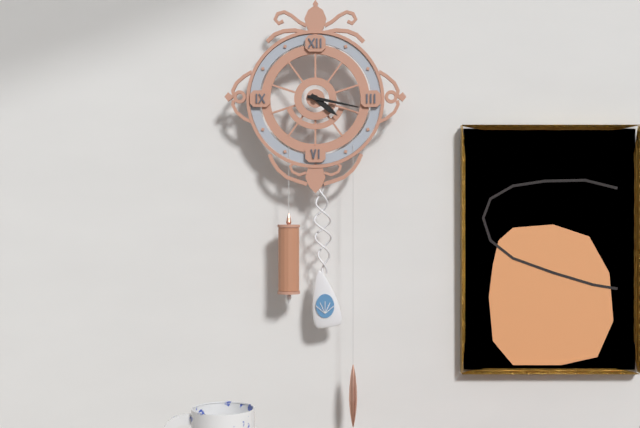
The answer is 4.17
